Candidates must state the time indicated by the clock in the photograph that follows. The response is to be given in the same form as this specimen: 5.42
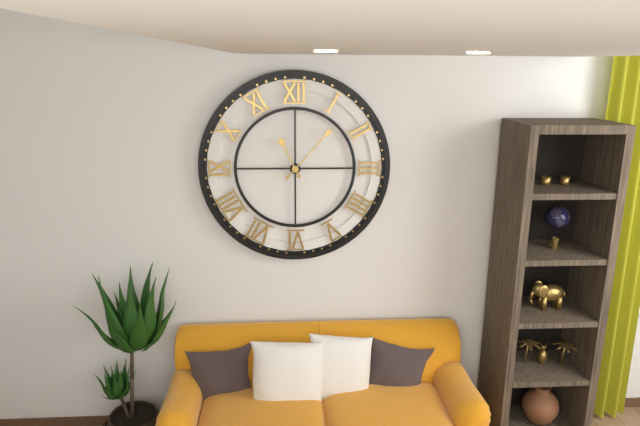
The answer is 11.07
